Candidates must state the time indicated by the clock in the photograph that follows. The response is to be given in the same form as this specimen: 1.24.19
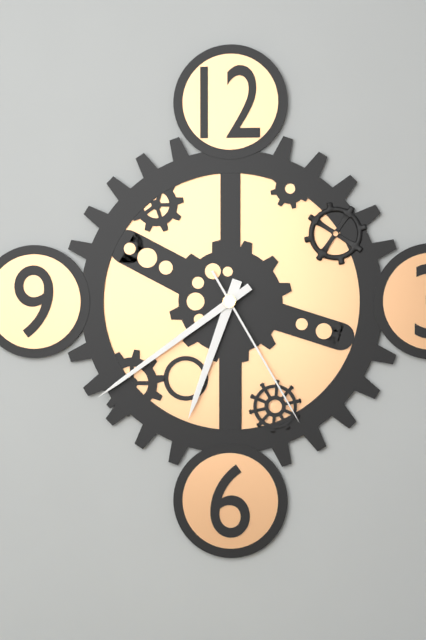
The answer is 6.39.25
